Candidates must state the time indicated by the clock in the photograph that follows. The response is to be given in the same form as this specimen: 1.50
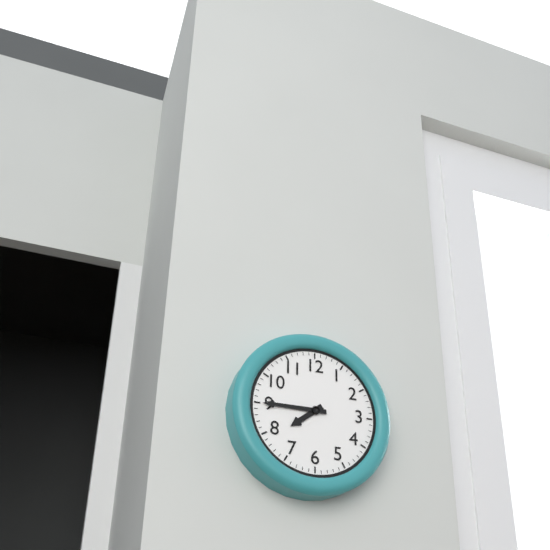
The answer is 7.45
